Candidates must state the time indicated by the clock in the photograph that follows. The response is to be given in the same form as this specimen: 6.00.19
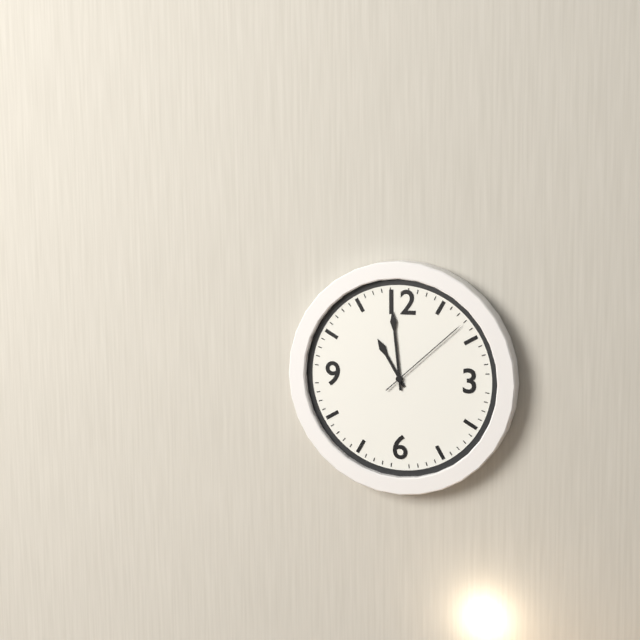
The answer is 10.59.08
